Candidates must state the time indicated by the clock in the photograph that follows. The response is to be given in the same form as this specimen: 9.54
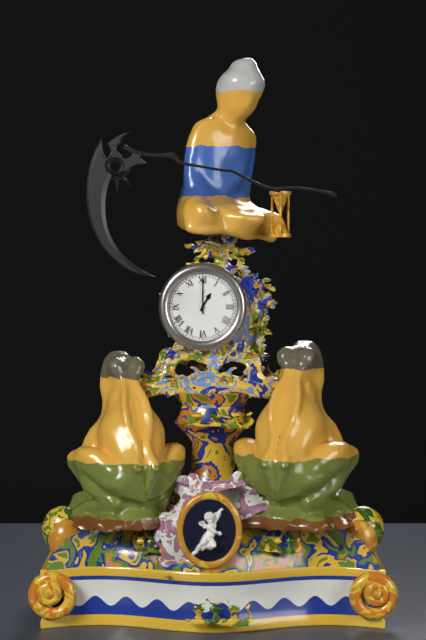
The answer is 1.00
